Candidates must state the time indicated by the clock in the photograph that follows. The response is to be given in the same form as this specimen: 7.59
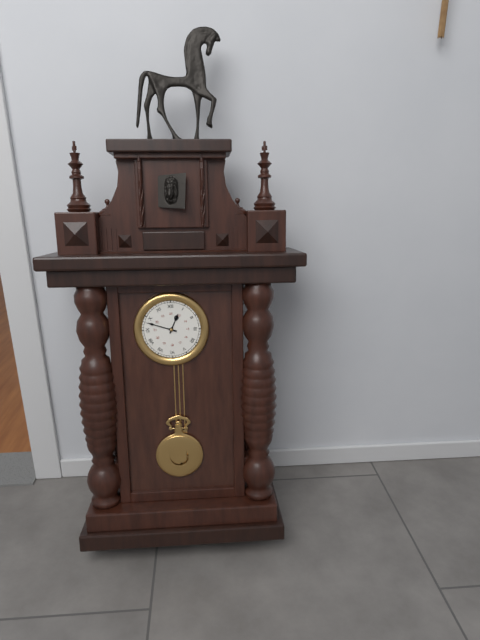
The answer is 12.48
